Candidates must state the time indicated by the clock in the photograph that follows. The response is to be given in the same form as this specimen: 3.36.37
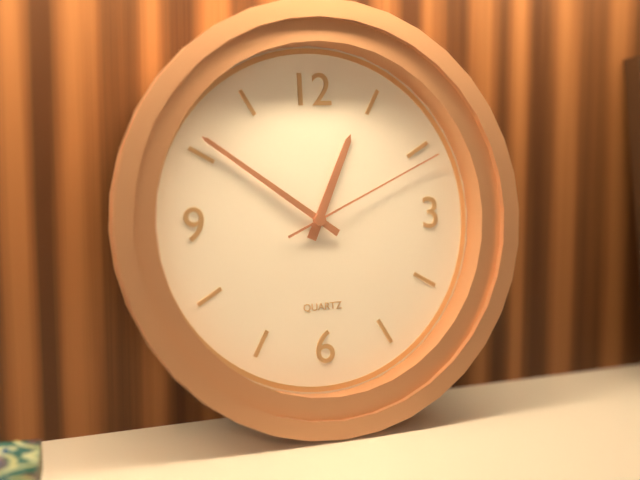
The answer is 12.51.11
